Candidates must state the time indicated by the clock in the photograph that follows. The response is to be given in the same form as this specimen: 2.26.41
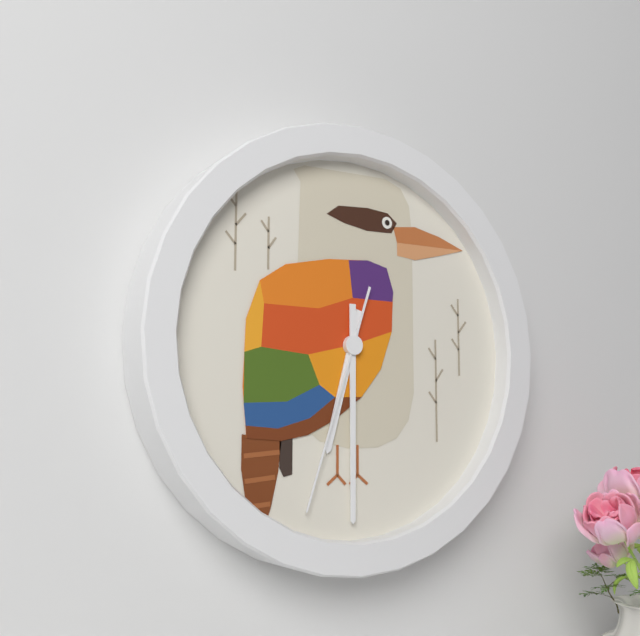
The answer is 6.30.33
